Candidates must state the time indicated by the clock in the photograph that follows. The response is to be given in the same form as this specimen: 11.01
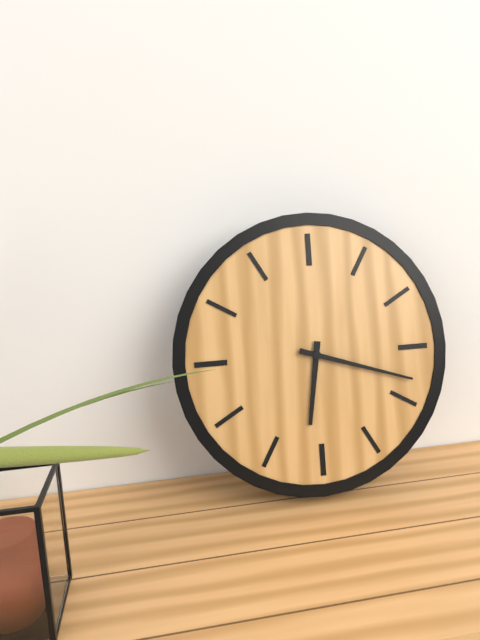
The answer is 6.18
